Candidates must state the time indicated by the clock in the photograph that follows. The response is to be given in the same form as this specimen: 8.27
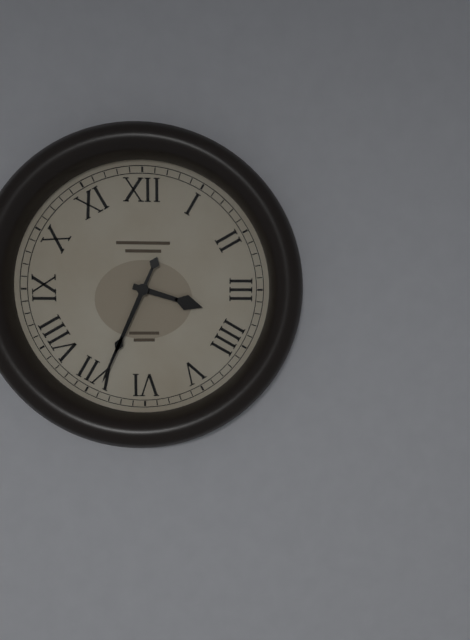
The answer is 3.34
